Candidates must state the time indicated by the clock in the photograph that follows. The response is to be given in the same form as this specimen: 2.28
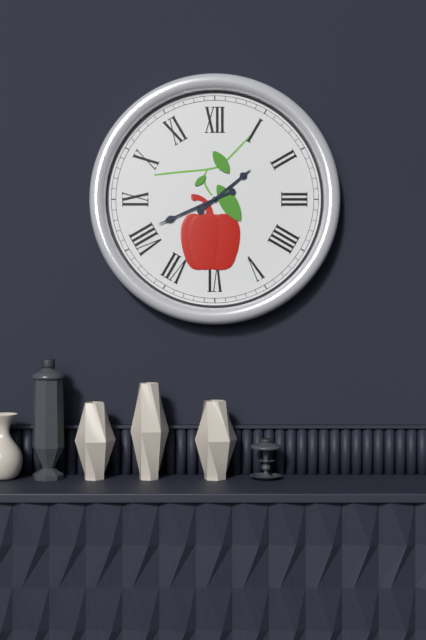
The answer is 1.41
